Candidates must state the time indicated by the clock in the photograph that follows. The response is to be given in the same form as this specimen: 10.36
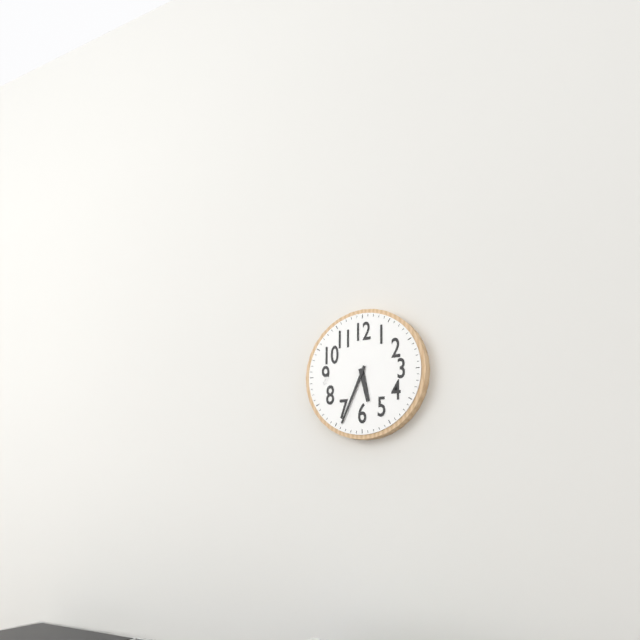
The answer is 5.34
